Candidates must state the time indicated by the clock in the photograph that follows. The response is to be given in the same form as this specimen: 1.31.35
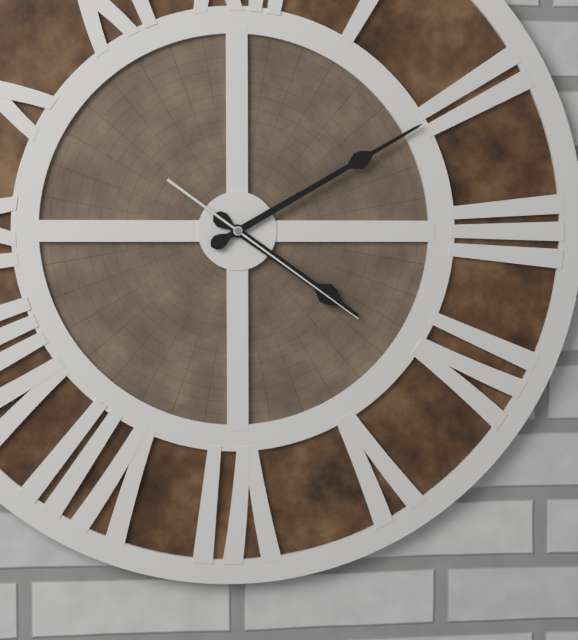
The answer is 4.10.21
